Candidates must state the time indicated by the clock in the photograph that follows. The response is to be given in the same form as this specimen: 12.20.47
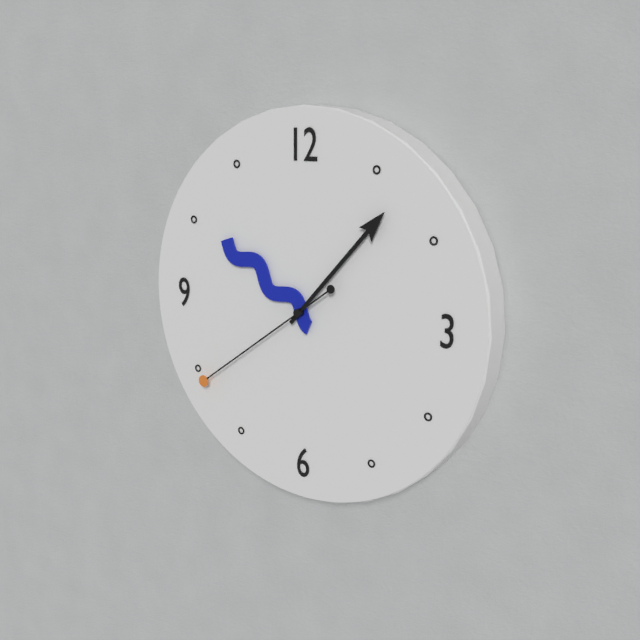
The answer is 10.07.39
